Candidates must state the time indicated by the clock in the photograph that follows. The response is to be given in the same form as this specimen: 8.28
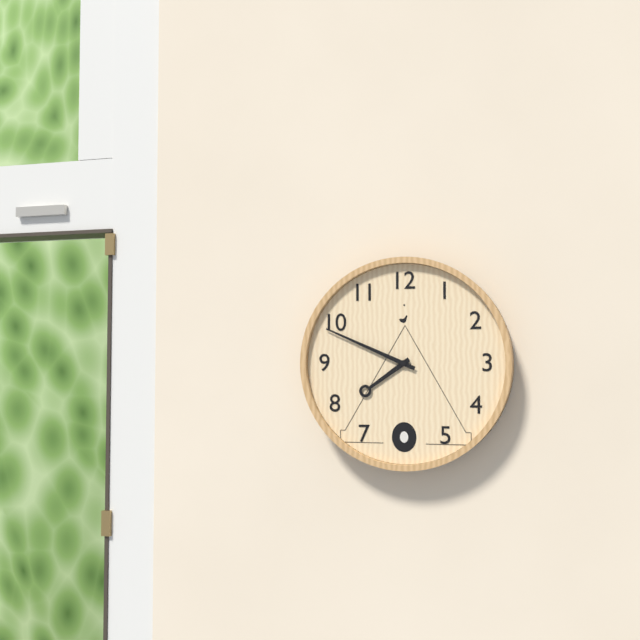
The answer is 7.49
